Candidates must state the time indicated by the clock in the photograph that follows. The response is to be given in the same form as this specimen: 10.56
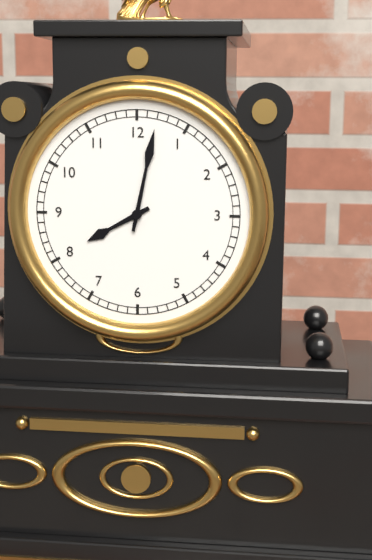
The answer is 8.02
